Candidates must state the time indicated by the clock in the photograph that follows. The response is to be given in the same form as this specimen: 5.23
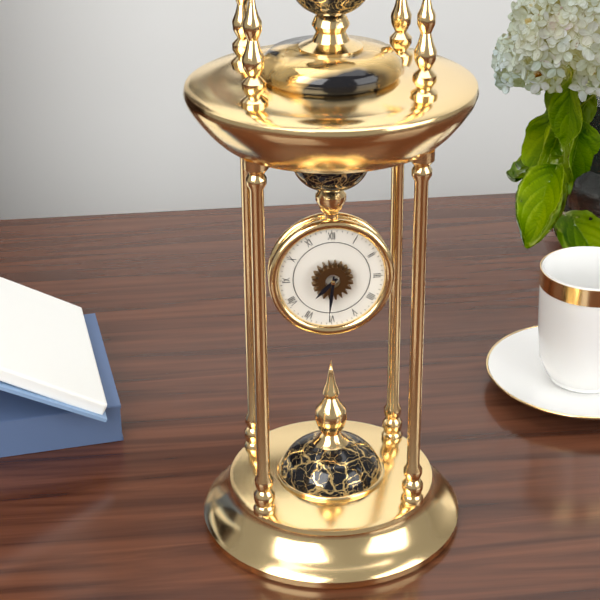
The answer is 7.31
